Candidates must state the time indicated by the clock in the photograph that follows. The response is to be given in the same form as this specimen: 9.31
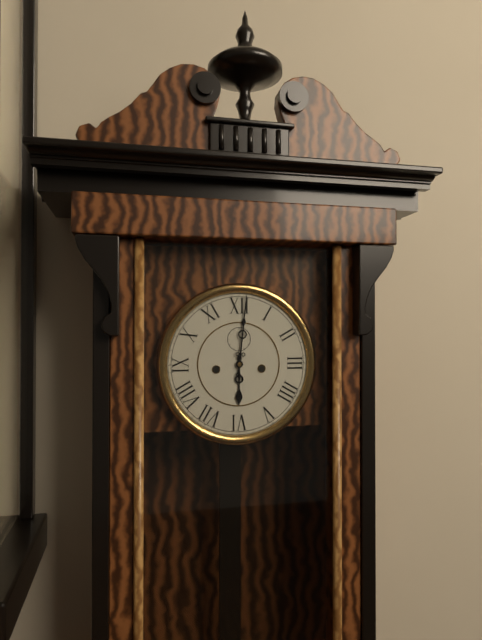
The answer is 6.01
